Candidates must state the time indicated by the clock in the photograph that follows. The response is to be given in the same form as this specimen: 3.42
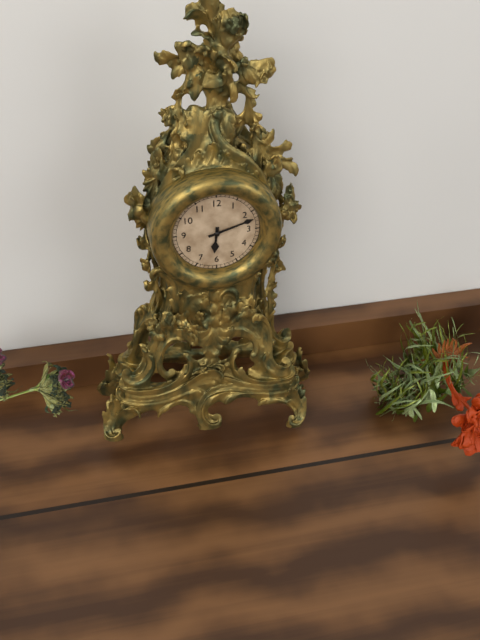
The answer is 6.12
